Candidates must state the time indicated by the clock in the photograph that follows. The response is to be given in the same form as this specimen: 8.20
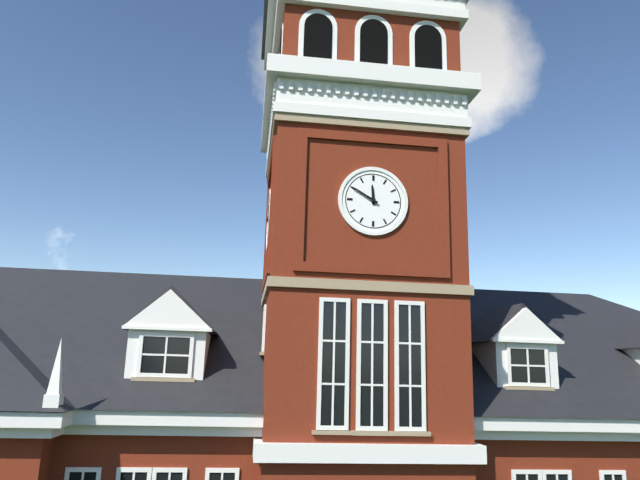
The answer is 11.50
